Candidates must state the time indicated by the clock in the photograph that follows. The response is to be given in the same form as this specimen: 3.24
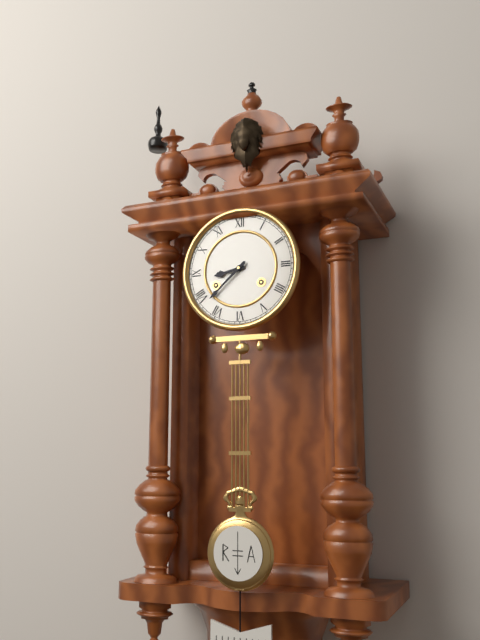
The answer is 8.38
